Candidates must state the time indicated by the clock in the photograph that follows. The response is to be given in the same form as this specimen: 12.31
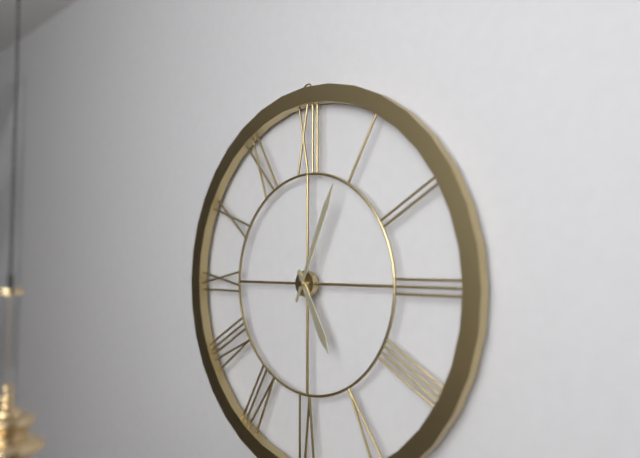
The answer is 5.04
